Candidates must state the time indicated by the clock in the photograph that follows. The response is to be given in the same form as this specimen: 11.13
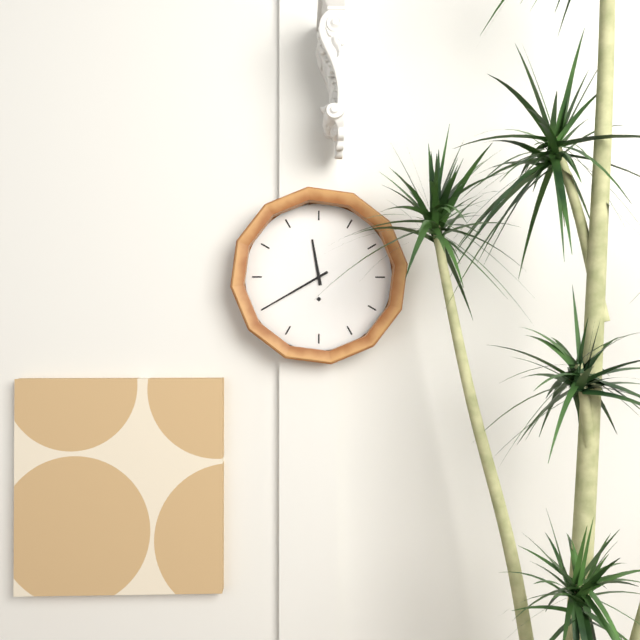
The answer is 11.40
